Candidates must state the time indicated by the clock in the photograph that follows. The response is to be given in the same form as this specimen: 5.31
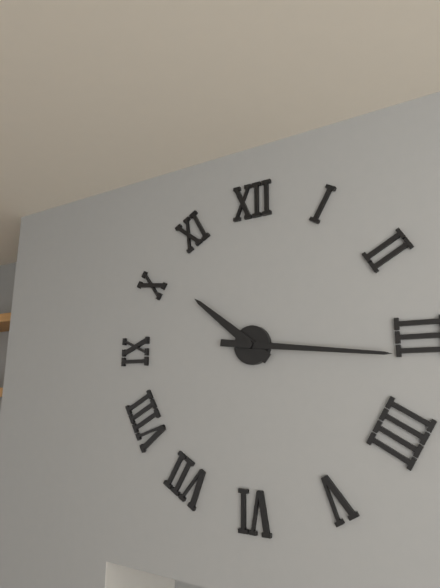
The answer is 10.16
